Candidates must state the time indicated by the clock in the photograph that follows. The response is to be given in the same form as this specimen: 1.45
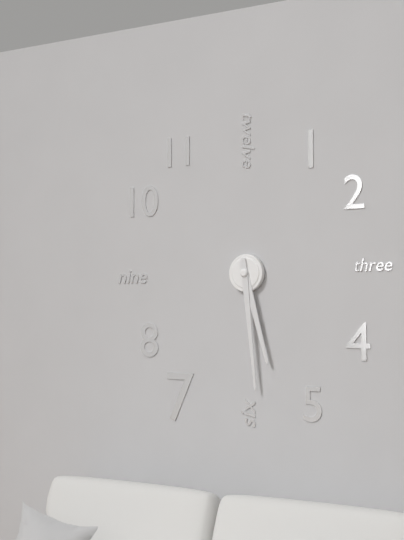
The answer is 5.29
